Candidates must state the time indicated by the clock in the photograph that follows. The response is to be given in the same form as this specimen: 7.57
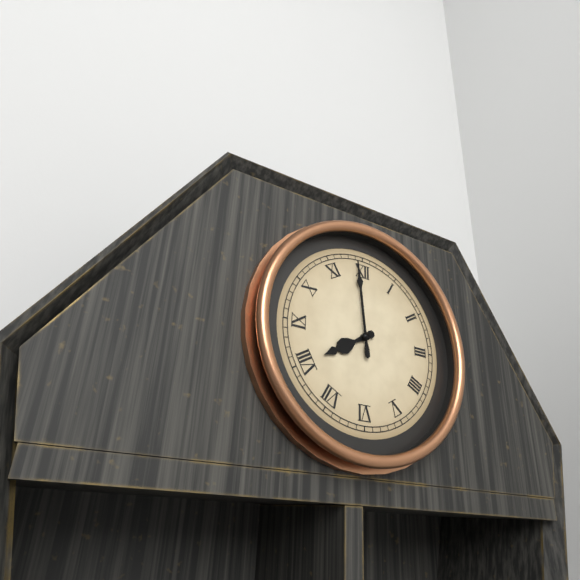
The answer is 7.59
